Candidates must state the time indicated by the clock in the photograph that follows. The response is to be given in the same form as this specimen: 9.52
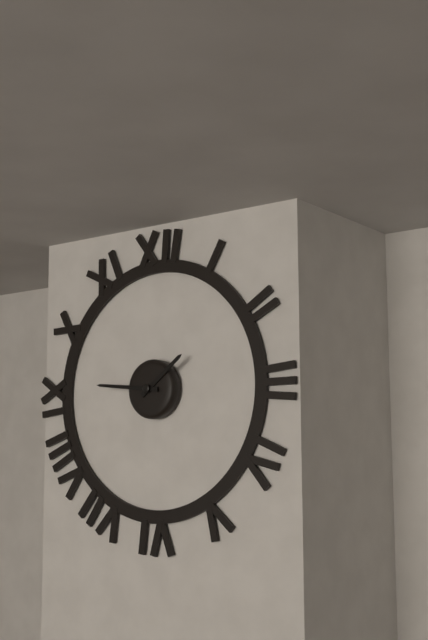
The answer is 1.46
